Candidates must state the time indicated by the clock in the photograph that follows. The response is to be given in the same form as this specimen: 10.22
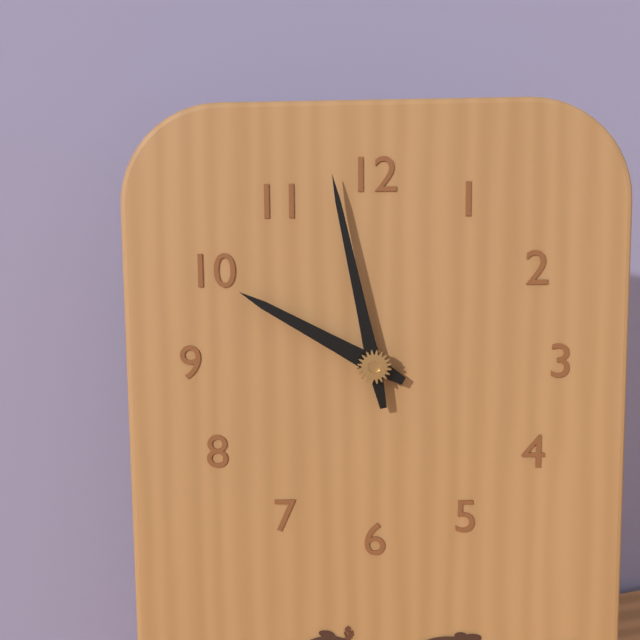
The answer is 9.58
